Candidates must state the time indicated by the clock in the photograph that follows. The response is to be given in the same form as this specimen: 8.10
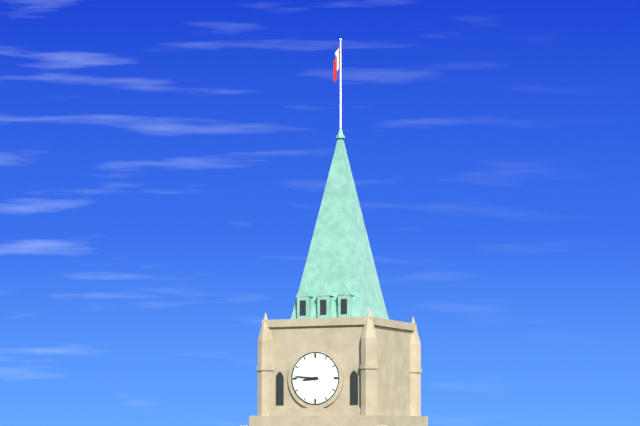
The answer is 8.46
